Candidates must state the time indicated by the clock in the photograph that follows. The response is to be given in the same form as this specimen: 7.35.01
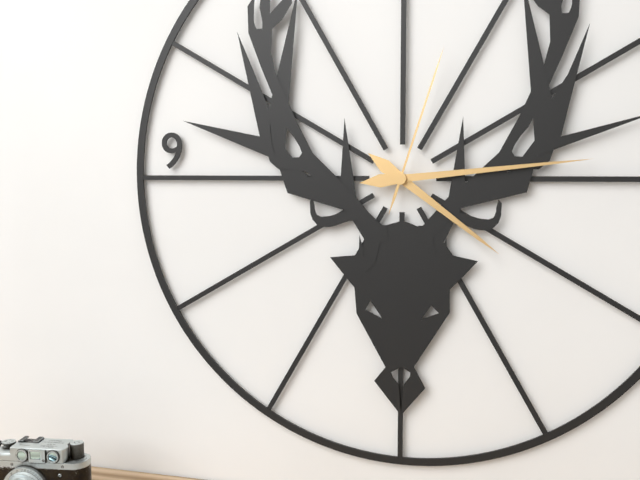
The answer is 4.14.03
